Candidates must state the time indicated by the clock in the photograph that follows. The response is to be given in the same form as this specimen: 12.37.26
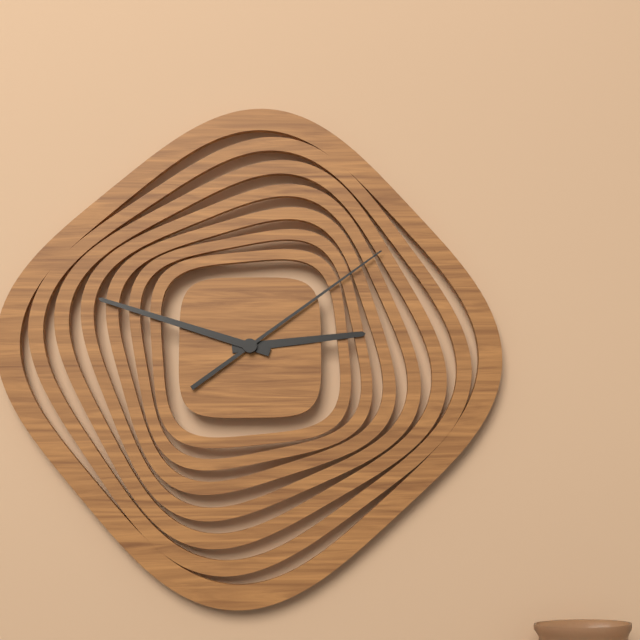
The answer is 2.48.09
